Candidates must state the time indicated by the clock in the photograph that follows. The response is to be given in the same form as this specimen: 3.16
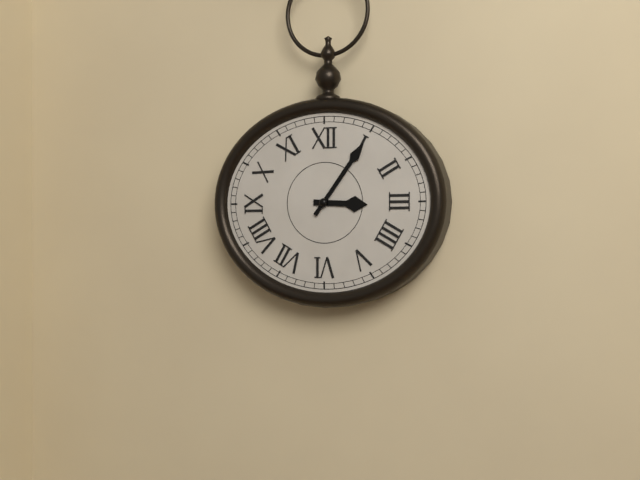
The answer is 3.06
